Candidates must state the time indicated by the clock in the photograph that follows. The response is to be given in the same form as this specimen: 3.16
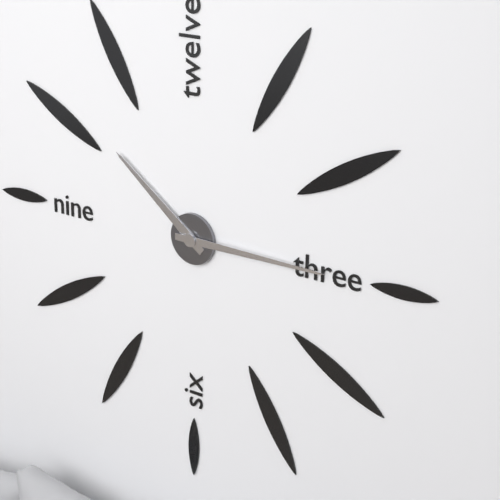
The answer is 10.15
